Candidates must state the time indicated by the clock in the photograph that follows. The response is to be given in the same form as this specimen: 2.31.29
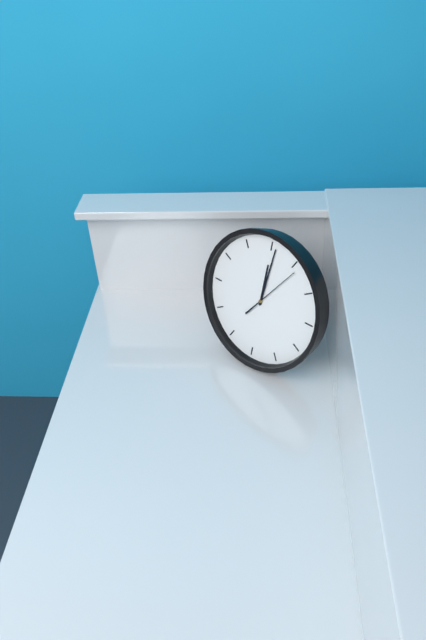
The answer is 12.01.06
